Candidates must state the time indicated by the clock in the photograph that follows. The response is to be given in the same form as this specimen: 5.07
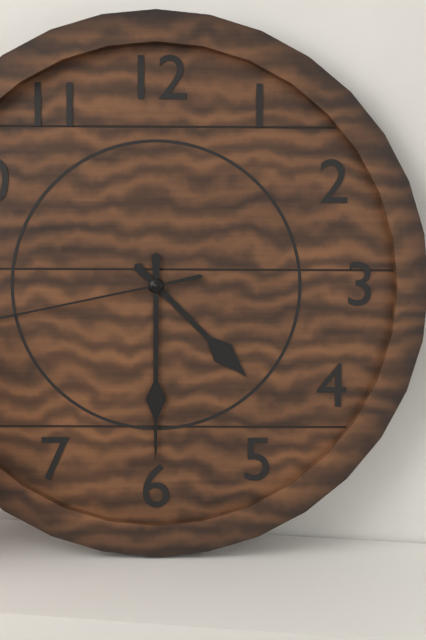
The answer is 4.30
